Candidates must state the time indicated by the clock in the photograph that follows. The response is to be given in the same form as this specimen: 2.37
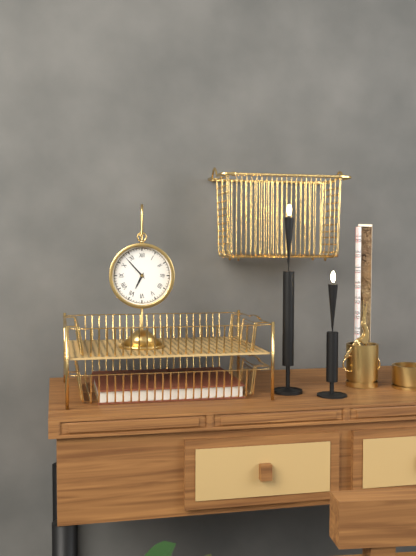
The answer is 6.53
